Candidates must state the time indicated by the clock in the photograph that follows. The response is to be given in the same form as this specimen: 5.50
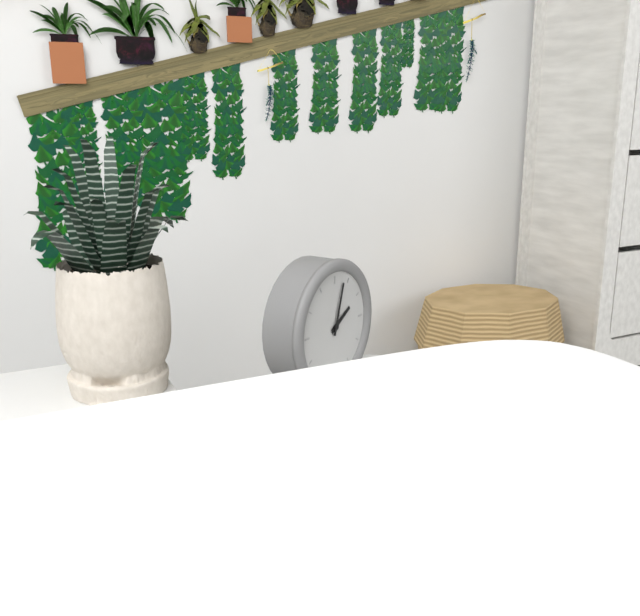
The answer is 2.03
